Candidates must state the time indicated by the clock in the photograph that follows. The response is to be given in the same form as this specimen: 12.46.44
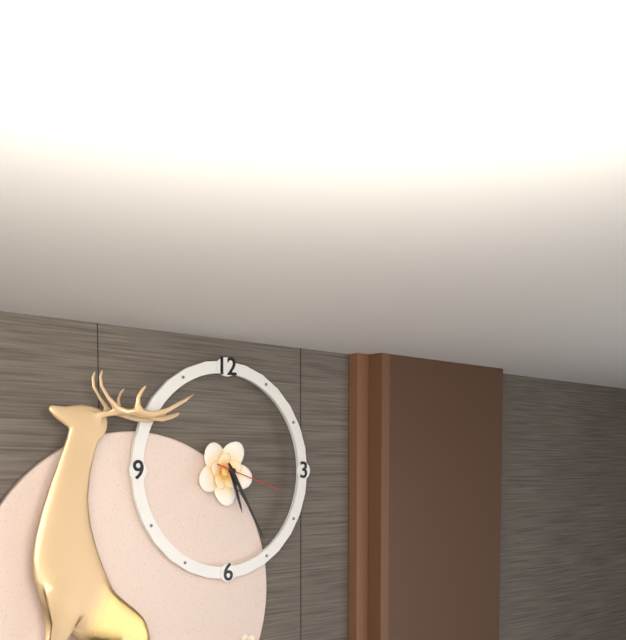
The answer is 5.25.18
